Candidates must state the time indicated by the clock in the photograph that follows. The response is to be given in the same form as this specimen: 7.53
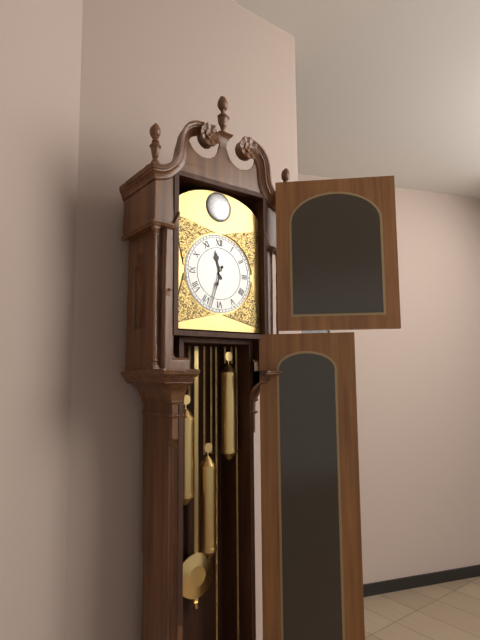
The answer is 11.33
